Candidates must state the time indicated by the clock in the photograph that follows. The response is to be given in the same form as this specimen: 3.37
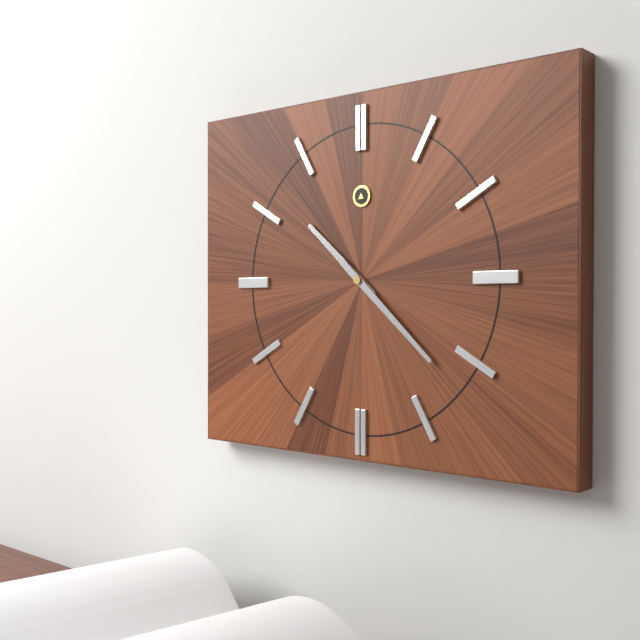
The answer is 10.22
